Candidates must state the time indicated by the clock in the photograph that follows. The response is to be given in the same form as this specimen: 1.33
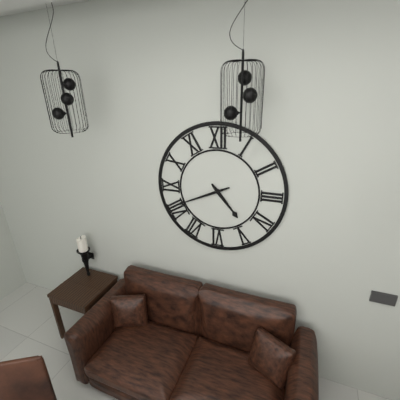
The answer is 4.41
